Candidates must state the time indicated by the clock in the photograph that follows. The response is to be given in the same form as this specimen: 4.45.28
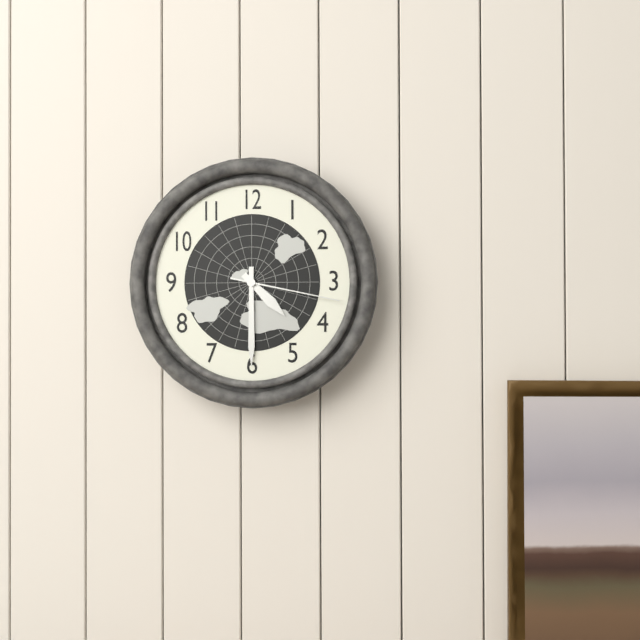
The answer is 4.30.17
